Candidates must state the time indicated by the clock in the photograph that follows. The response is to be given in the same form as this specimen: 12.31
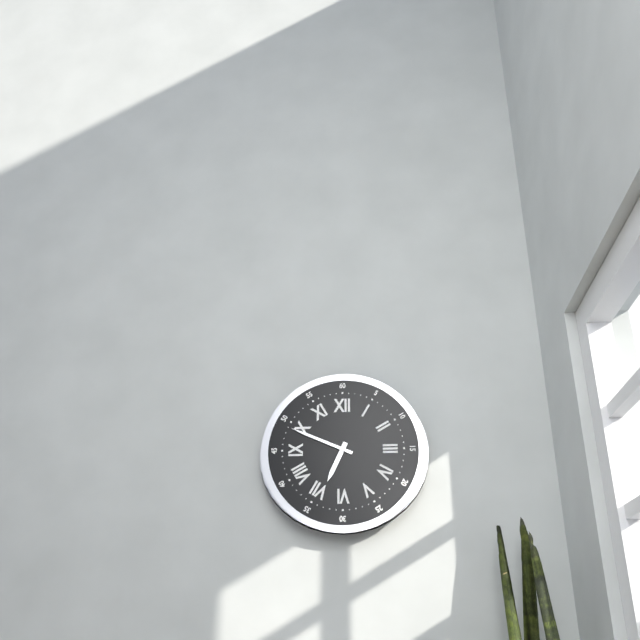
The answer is 6.49
